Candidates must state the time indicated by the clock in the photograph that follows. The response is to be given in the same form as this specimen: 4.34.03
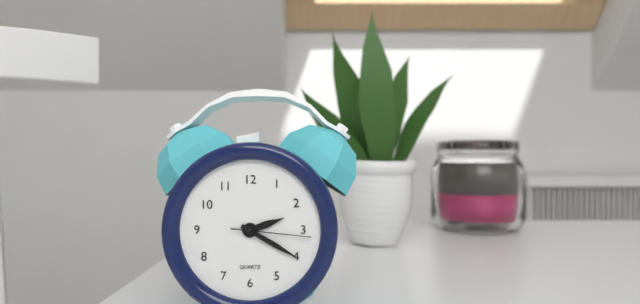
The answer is 2.20.16
